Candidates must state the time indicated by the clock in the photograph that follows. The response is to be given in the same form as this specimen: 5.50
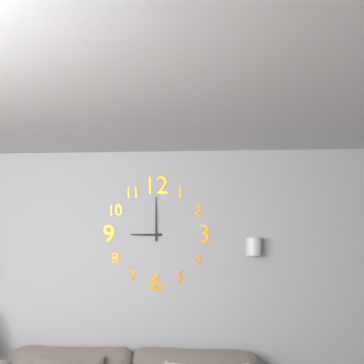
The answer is 9.00
